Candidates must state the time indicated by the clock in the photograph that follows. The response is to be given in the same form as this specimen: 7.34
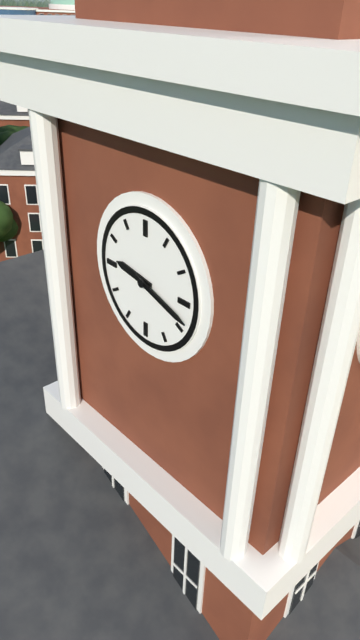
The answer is 9.18
